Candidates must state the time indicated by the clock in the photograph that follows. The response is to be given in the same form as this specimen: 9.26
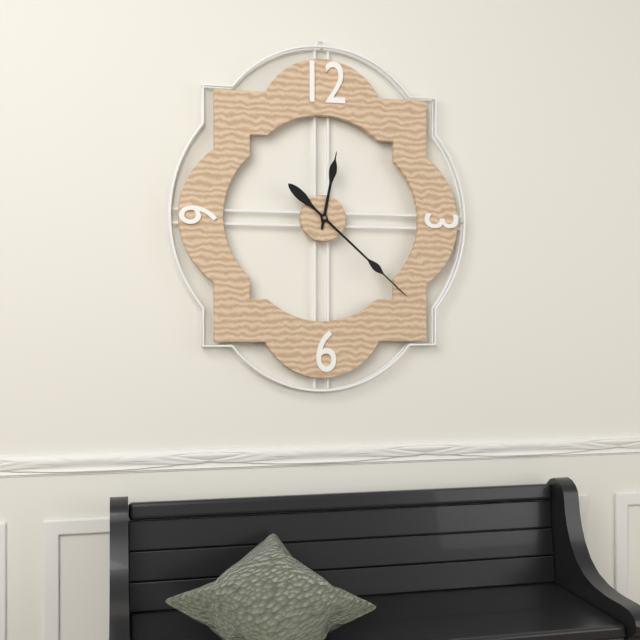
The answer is 12.22
